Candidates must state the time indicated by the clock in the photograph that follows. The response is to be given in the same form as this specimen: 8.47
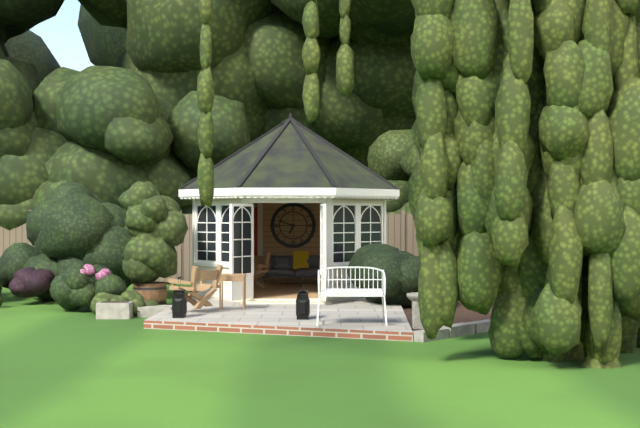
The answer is 6.48
